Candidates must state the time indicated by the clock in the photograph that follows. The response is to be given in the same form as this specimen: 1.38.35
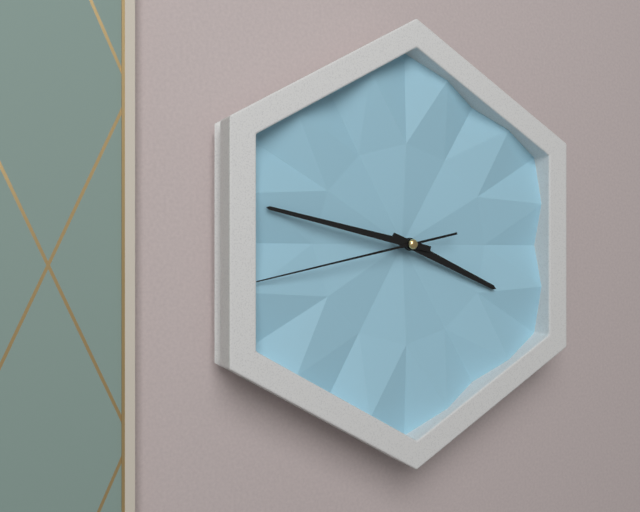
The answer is 3.47.43
